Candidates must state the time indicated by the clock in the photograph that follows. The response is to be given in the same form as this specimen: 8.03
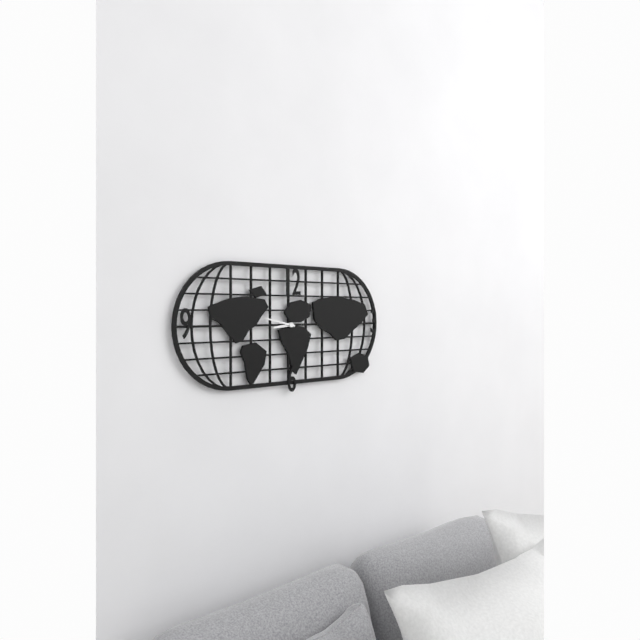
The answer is 8.47
